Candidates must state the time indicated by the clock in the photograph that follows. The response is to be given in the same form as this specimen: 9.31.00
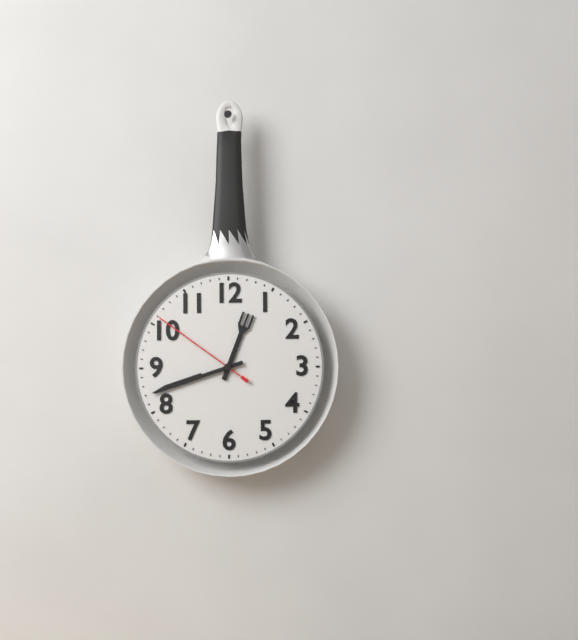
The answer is 12.42.51
